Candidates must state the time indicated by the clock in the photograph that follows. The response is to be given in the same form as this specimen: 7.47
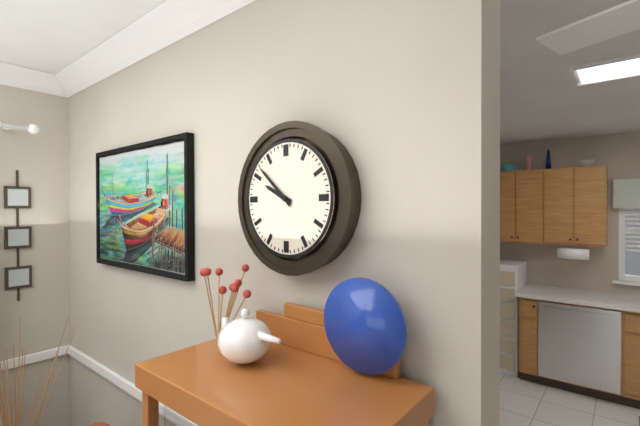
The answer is 9.52
